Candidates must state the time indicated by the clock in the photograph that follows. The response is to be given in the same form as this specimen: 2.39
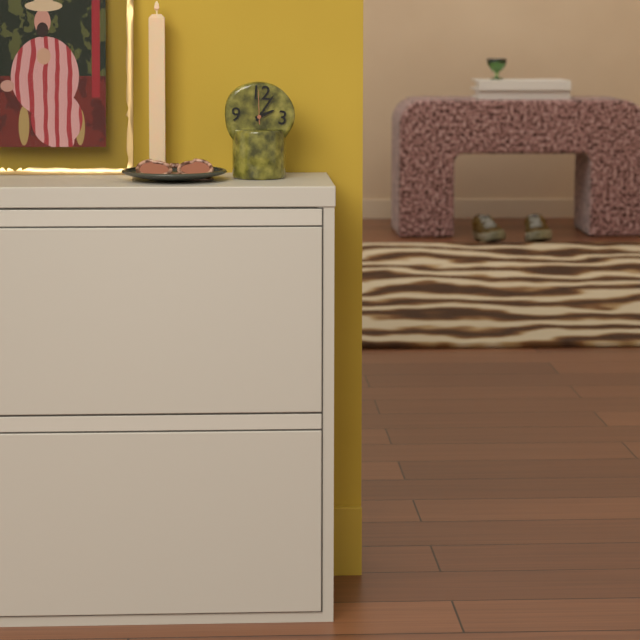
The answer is 2.05
